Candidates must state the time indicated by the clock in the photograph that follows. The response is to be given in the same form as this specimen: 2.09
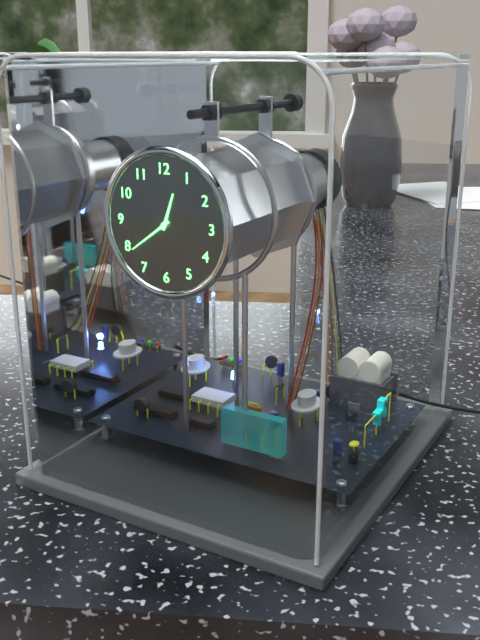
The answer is 12.39
